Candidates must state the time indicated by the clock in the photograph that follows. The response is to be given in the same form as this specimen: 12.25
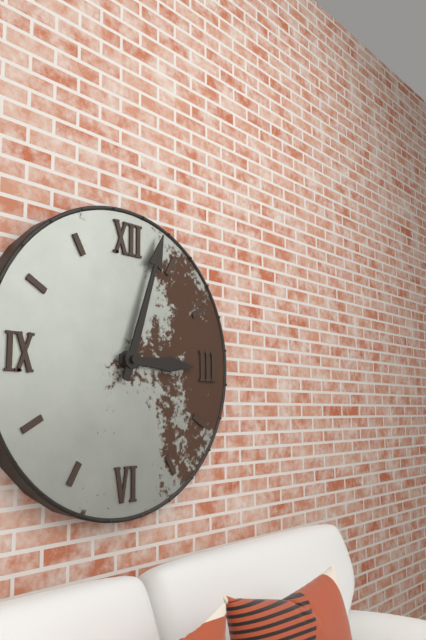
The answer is 3.03
